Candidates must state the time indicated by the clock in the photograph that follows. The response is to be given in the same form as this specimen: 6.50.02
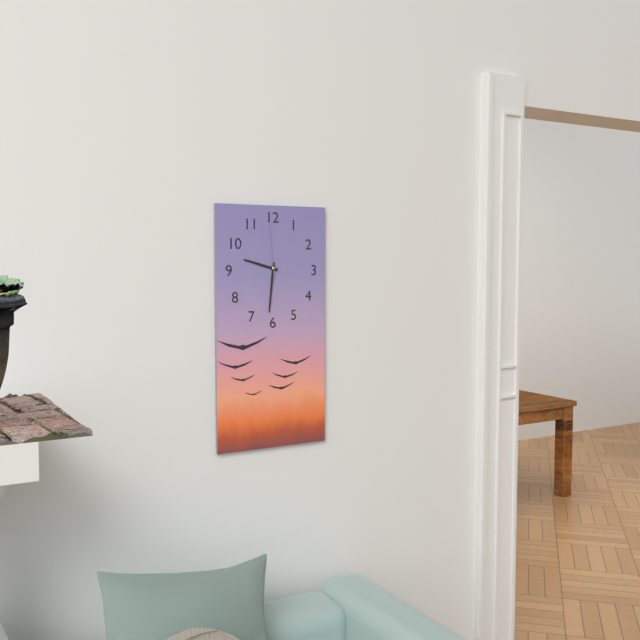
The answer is 9.31.59
